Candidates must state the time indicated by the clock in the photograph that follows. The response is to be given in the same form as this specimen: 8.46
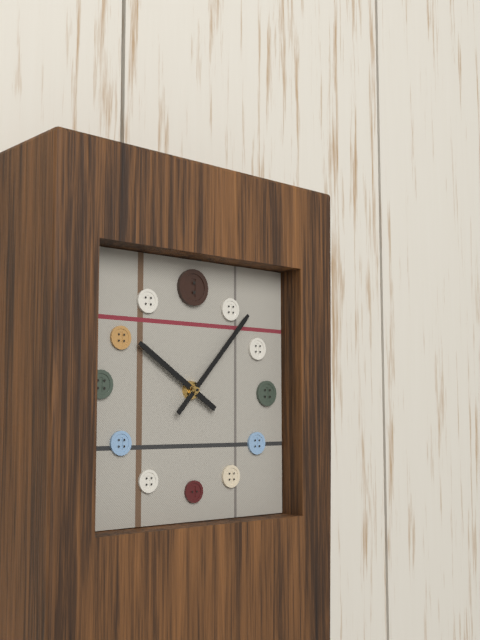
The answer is 10.07
